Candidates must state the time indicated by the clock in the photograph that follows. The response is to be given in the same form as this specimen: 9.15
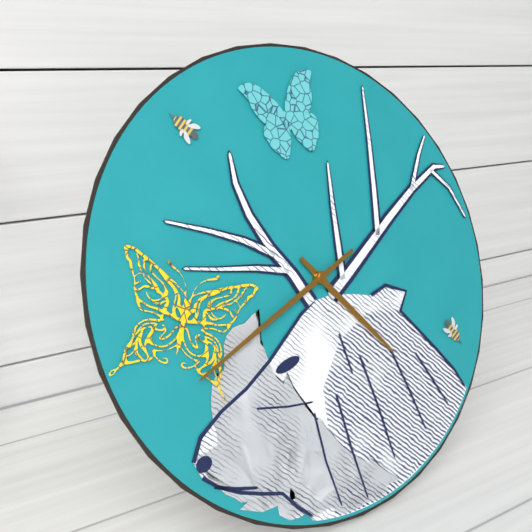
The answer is 4.41
